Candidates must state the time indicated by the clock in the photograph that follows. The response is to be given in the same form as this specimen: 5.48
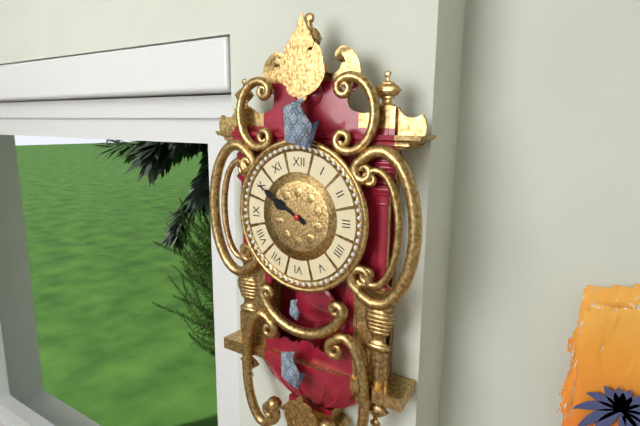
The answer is 9.50
